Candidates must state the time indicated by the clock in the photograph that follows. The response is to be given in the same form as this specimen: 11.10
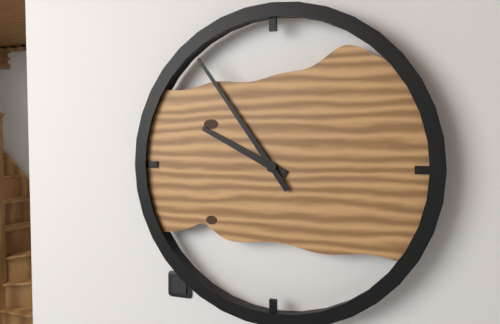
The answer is 9.54
